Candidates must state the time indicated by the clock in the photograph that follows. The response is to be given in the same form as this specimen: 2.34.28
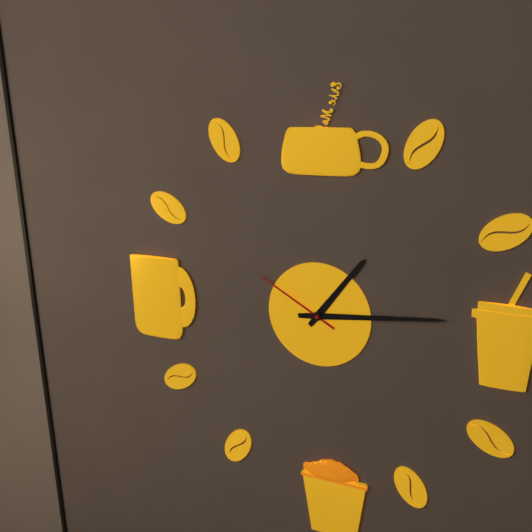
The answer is 1.14.50
